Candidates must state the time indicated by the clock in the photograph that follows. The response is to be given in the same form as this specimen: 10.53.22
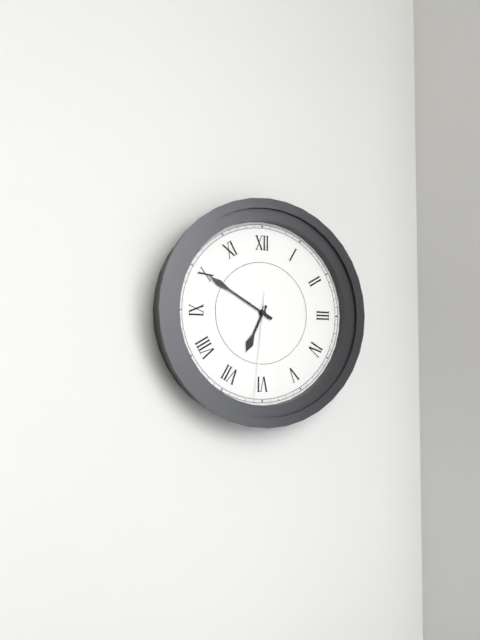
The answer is 6.50.31
